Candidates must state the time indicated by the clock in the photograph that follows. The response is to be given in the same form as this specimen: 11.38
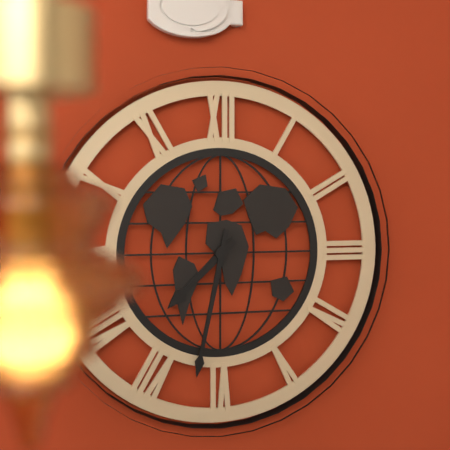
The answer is 7.32
